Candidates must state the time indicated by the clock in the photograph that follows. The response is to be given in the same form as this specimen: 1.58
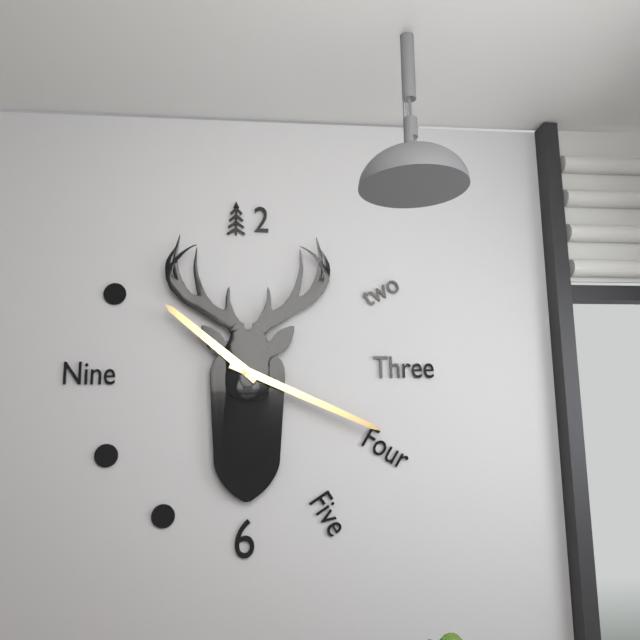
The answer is 10.19
